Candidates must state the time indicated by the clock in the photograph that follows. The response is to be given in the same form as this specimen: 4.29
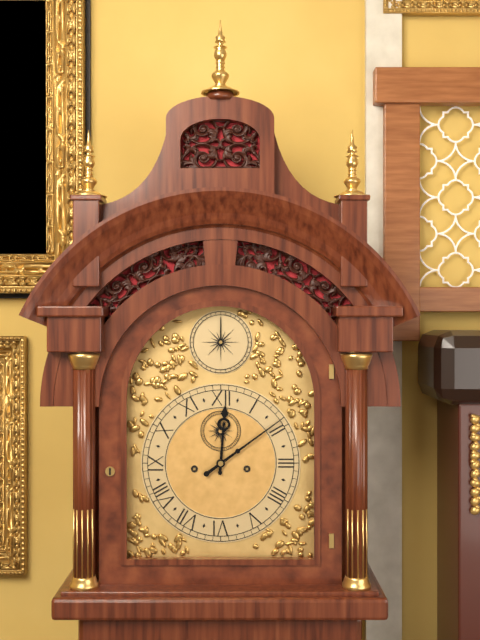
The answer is 12.09
